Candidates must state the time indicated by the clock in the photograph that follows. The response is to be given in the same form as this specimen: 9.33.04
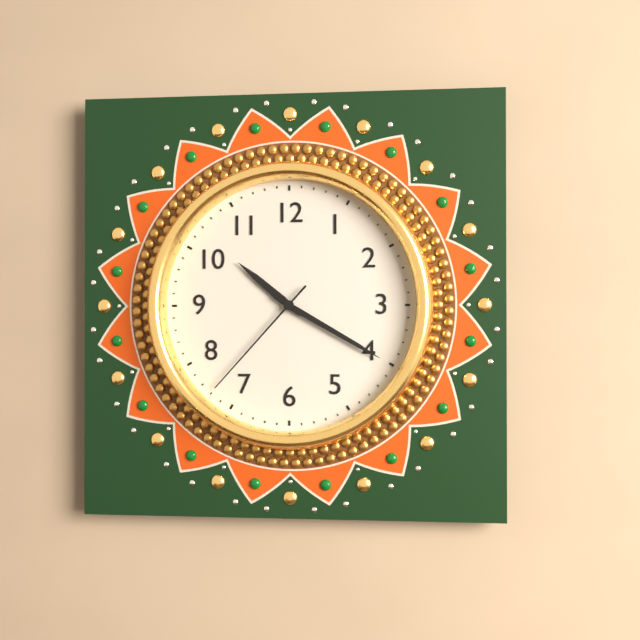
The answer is 10.20.37
